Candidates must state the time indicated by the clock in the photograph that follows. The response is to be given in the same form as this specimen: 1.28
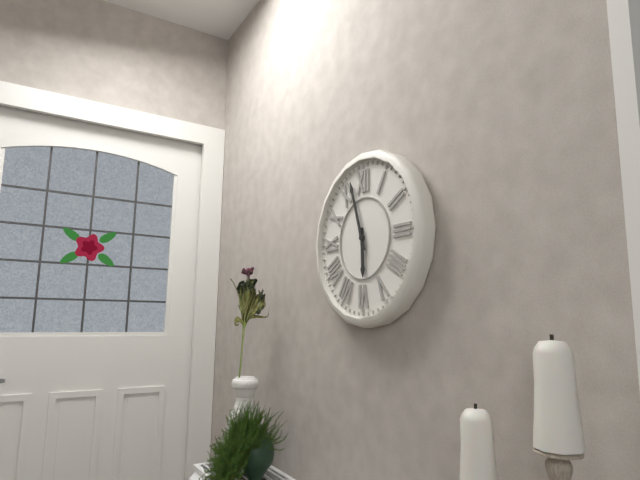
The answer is 5.57
